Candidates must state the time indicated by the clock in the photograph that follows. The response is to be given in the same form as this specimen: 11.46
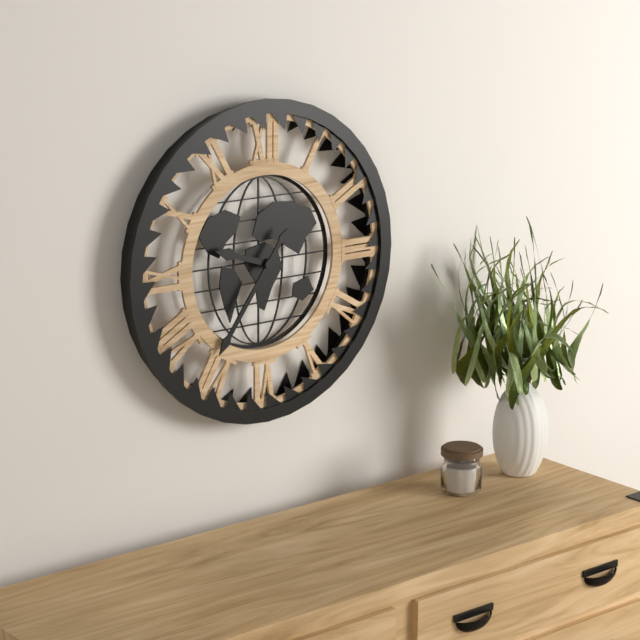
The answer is 9.36
